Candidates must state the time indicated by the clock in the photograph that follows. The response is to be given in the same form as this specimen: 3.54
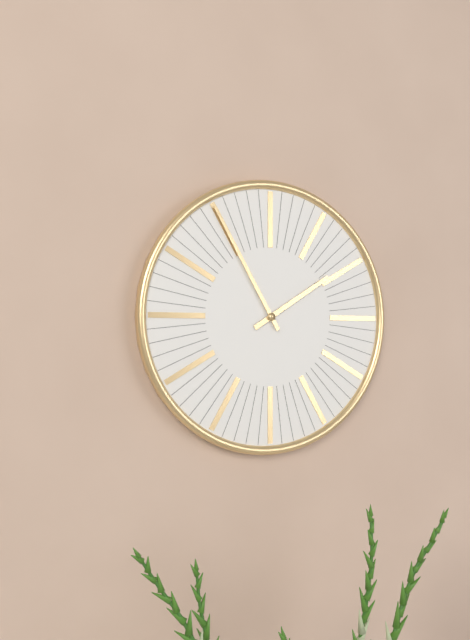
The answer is 1.55
